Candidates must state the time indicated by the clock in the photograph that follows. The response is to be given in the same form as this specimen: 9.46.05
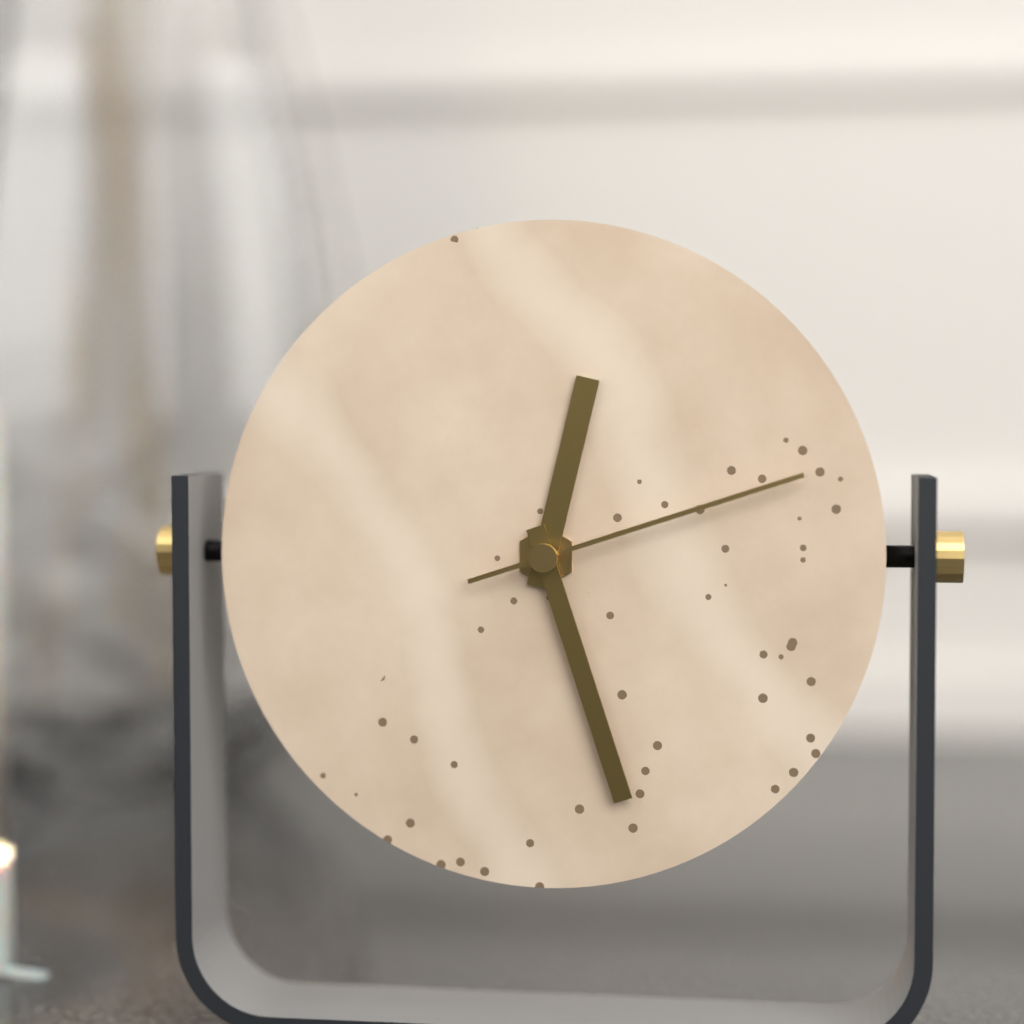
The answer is 12.27.12
